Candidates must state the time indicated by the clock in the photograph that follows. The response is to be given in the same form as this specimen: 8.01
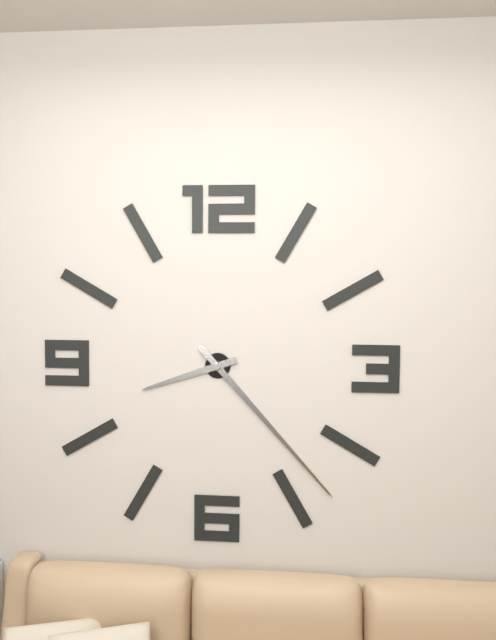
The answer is 8.23
